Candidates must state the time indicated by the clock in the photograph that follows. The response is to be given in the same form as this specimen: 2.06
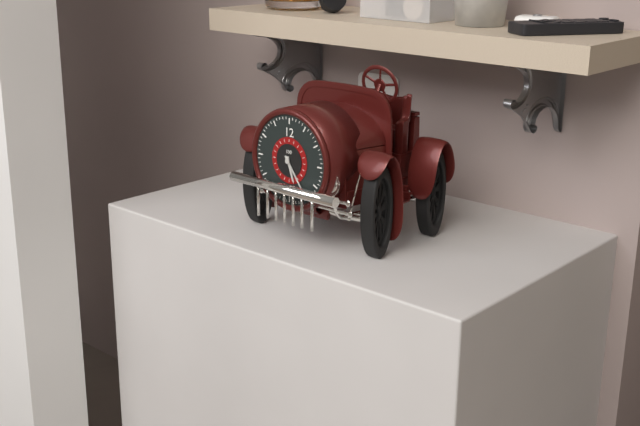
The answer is 5.24
